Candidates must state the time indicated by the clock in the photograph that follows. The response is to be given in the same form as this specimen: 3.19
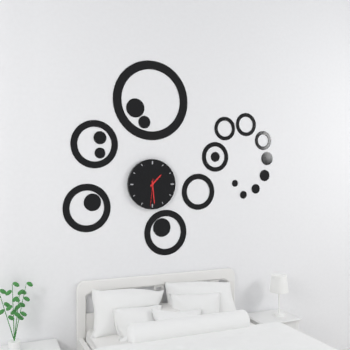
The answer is 1.29
